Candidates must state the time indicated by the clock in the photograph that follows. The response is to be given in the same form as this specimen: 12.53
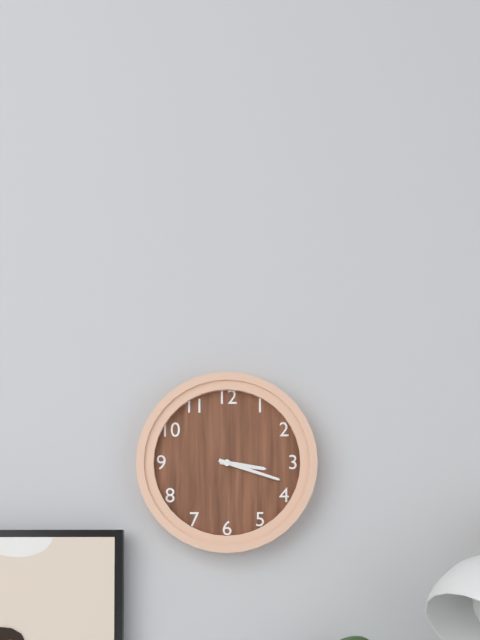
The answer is 3.18
